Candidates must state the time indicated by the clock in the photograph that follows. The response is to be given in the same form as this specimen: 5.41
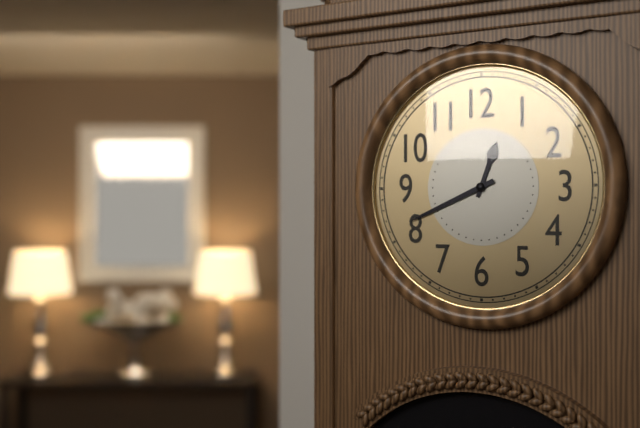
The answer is 12.41
